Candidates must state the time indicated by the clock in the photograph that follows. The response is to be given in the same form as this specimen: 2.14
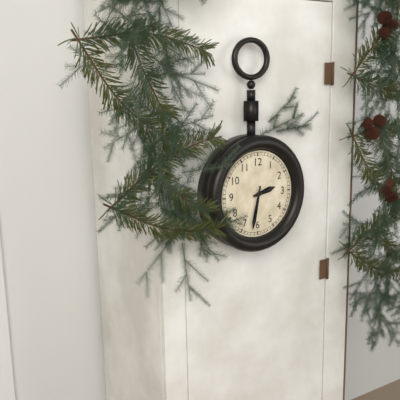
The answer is 2.32
